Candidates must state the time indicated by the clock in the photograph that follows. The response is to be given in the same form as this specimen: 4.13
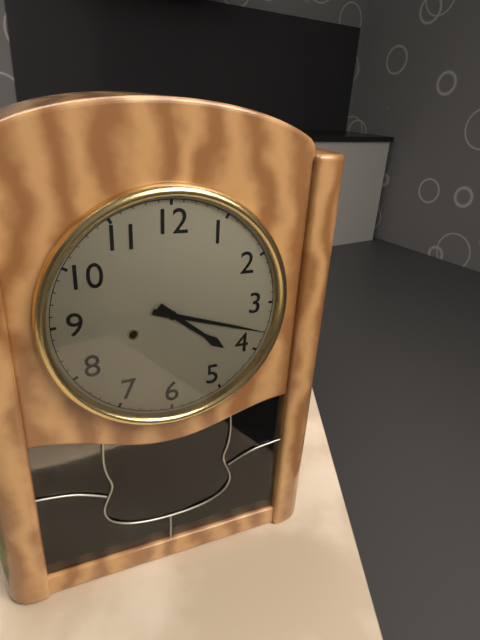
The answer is 4.18
